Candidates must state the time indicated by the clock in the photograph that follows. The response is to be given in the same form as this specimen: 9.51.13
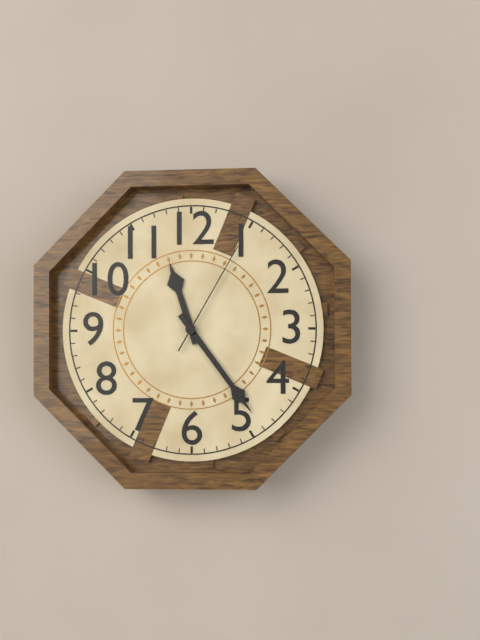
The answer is 11.24.05
